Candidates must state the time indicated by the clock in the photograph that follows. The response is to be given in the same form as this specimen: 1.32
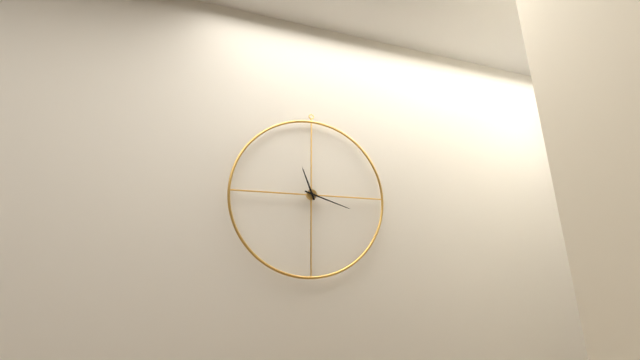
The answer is 11.18
